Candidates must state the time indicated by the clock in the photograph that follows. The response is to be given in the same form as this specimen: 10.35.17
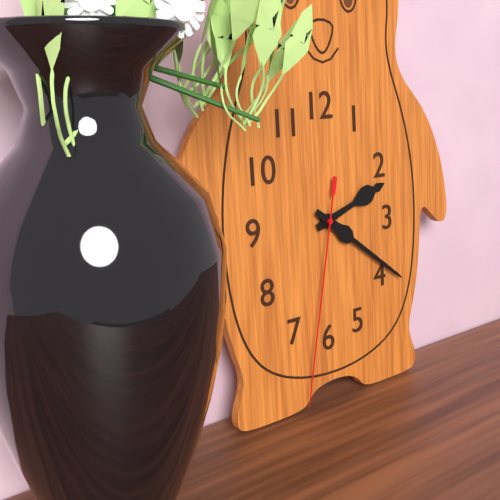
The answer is 2.21.32
